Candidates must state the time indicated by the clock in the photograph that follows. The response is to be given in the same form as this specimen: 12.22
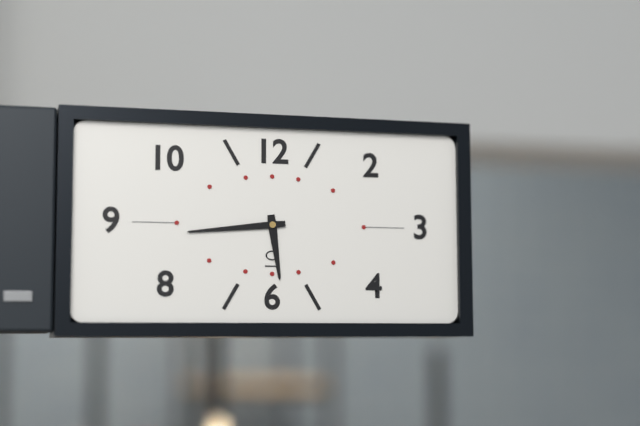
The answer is 5.44
